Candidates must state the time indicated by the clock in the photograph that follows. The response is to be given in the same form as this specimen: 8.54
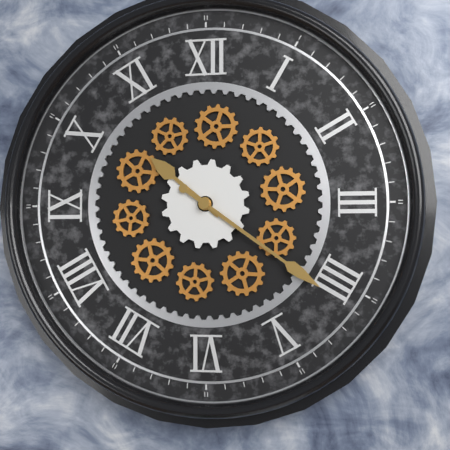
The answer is 10.21
